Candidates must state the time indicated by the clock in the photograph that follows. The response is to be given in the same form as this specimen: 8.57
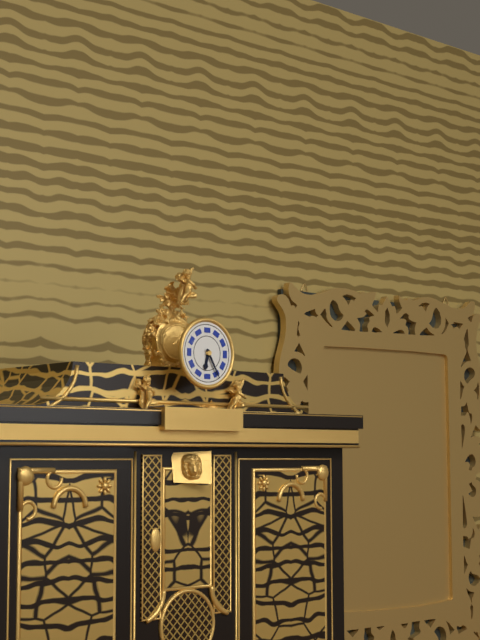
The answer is 6.25
